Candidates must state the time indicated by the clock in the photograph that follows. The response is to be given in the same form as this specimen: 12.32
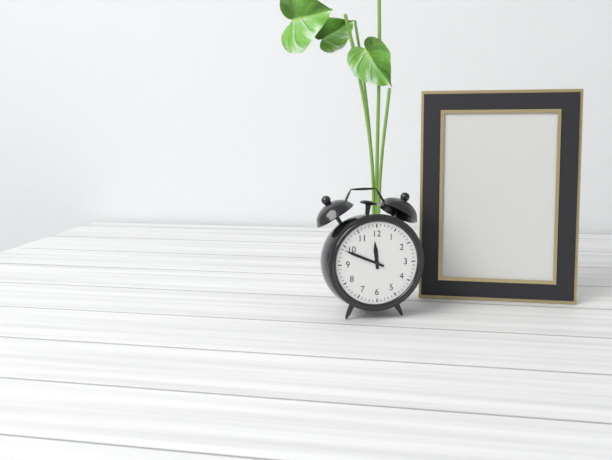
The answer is 11.49
